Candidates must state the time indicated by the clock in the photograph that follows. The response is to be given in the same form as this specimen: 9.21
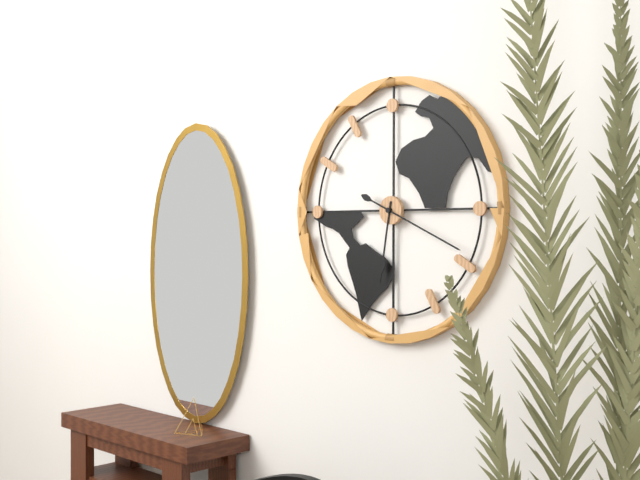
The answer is 6.19
